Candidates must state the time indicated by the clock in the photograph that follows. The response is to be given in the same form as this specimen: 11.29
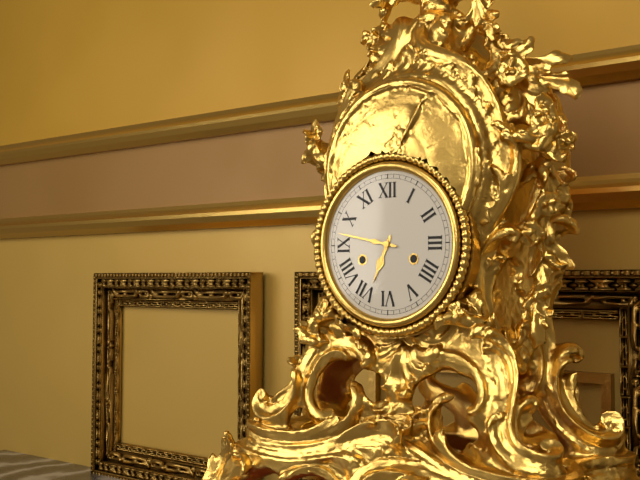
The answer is 6.47
